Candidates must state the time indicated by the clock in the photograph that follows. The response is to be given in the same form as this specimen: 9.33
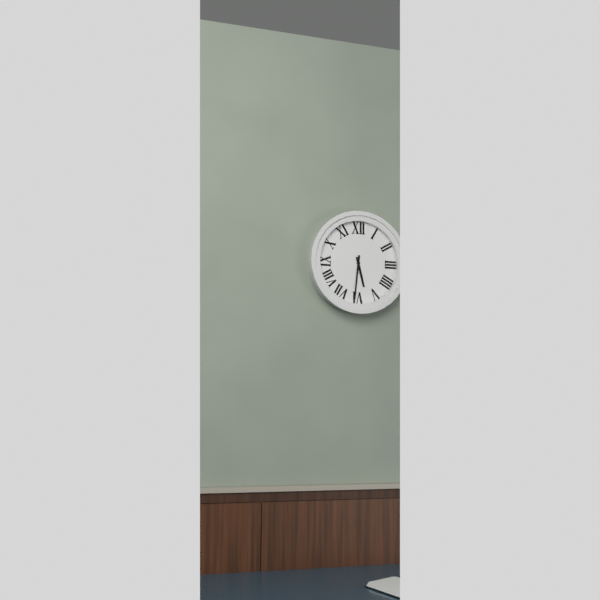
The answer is 5.31
